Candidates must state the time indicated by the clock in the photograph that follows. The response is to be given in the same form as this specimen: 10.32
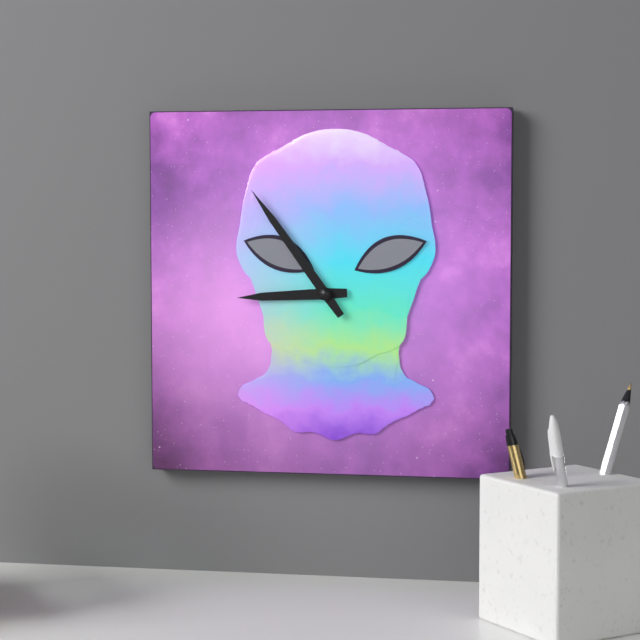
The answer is 8.54
